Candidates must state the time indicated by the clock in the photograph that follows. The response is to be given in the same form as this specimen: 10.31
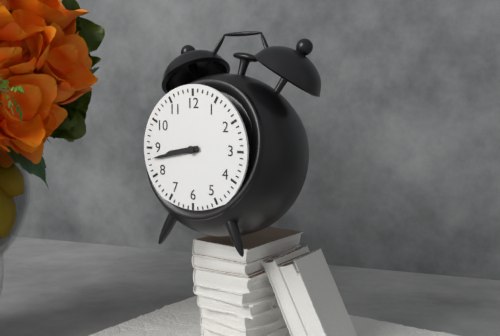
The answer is 8.43
